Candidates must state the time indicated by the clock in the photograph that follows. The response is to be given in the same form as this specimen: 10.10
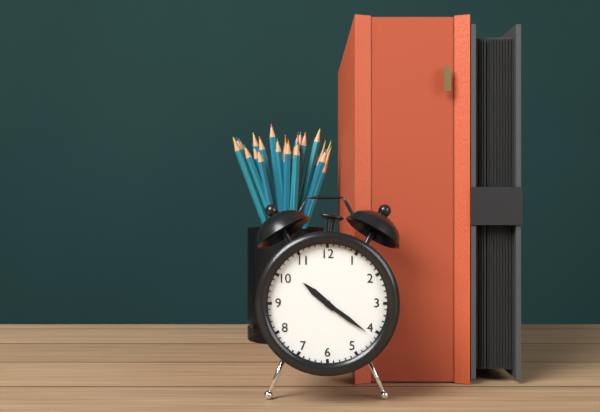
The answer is 10.21
